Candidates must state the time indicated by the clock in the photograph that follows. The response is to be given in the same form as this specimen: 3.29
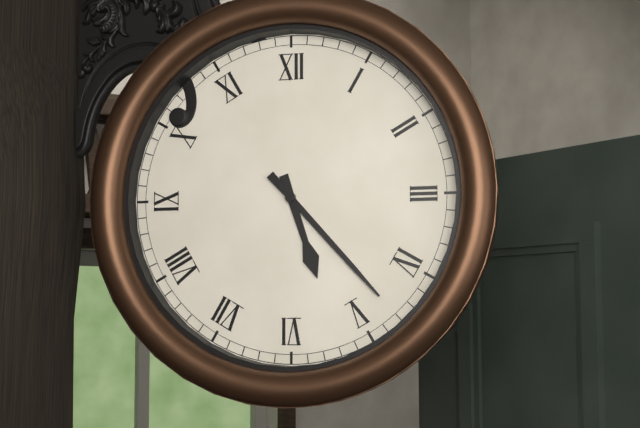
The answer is 5.23
